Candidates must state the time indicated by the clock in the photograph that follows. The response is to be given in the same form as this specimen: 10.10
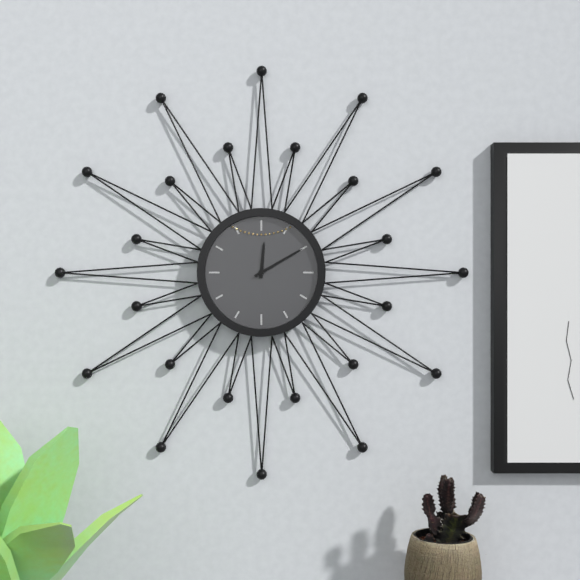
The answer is 12.10
